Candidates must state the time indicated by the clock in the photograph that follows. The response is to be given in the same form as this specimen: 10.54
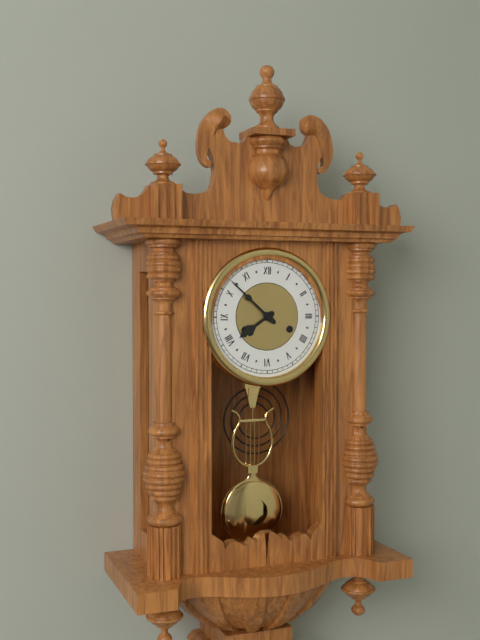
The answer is 7.52
